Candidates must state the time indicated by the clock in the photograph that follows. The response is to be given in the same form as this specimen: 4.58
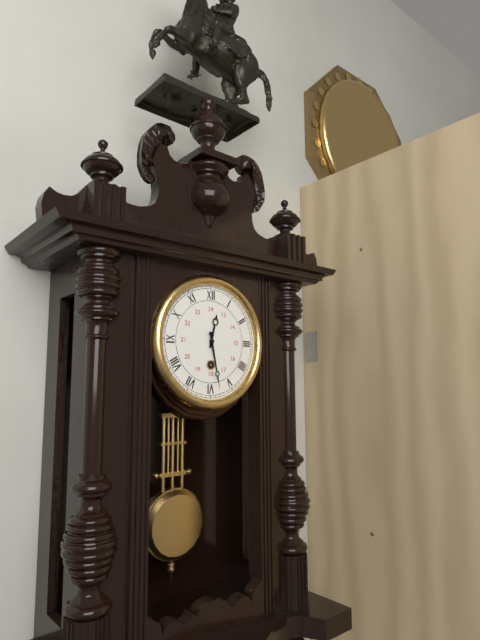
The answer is 12.28
